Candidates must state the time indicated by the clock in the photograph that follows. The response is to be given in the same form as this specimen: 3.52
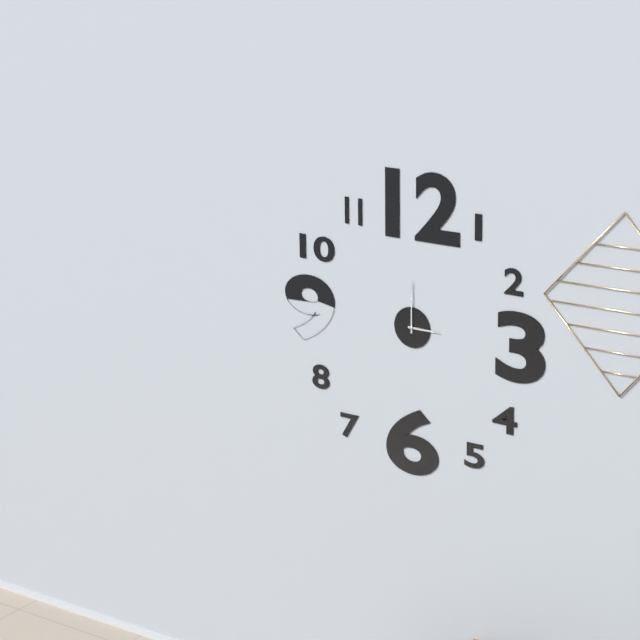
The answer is 3.00
